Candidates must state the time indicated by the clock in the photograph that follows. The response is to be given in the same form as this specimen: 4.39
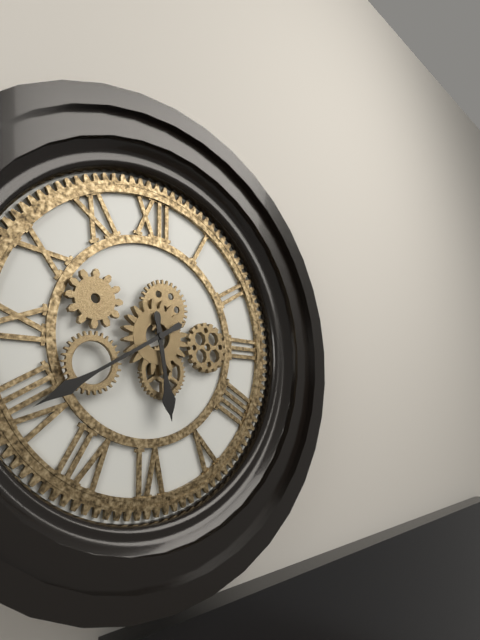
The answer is 5.40
